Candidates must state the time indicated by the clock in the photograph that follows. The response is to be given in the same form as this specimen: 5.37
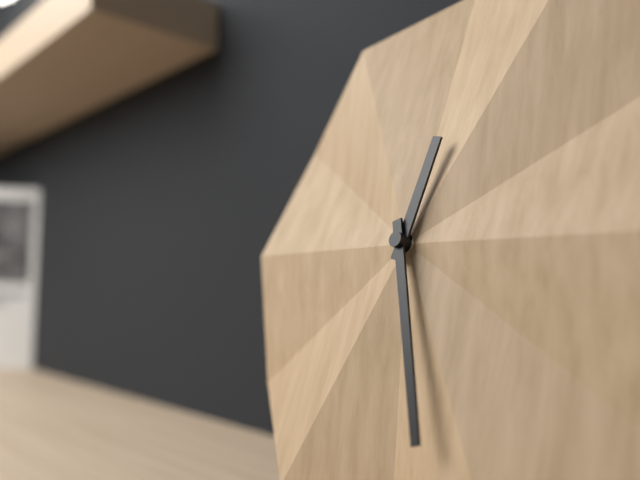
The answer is 12.27
